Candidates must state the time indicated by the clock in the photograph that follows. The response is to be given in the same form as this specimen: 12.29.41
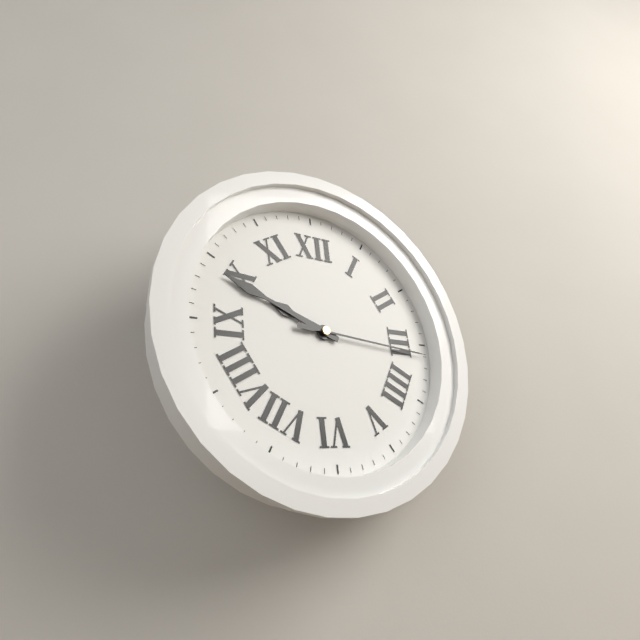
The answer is 9.49.16
